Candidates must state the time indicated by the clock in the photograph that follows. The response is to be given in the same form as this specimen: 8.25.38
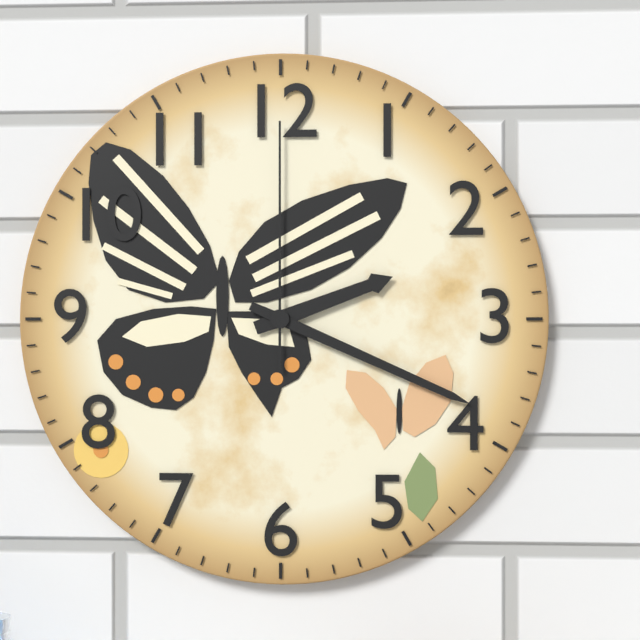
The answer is 2.19.00
